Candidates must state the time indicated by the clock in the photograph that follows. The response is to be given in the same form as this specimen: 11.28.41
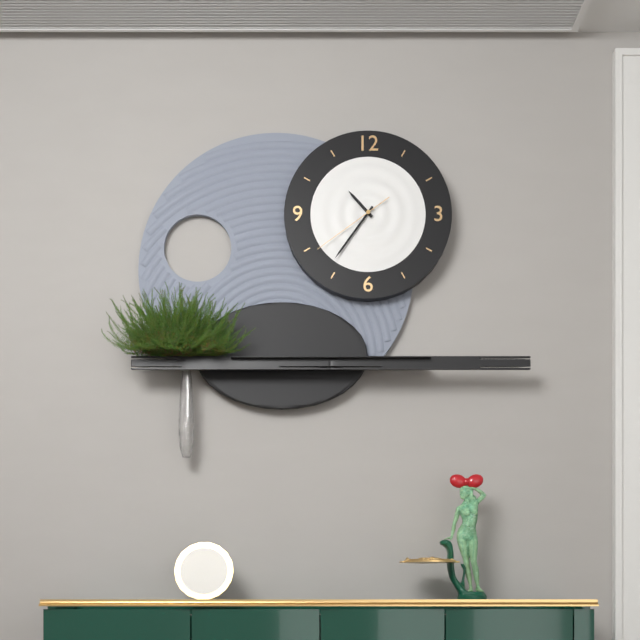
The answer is 10.36.39
